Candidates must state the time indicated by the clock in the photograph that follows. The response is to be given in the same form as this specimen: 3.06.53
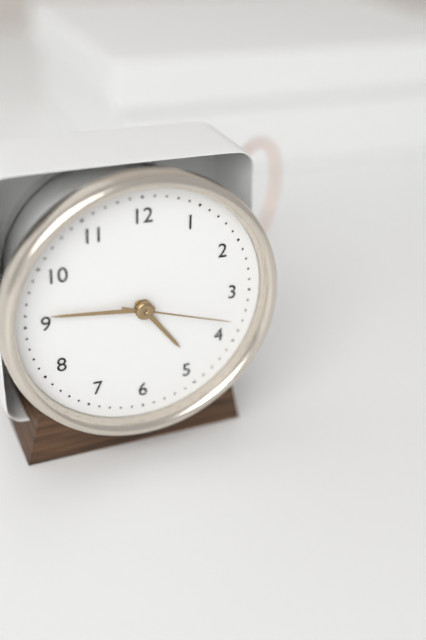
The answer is 4.46.18
